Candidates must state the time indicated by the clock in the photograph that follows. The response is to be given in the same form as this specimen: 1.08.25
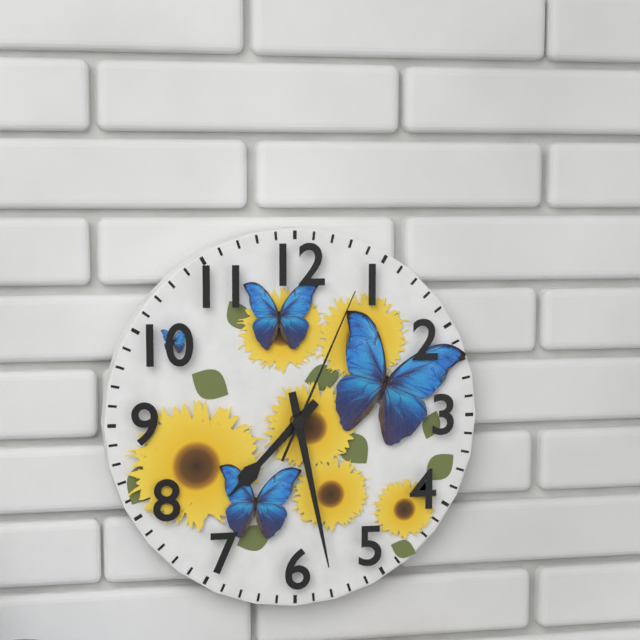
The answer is 7.28.04
